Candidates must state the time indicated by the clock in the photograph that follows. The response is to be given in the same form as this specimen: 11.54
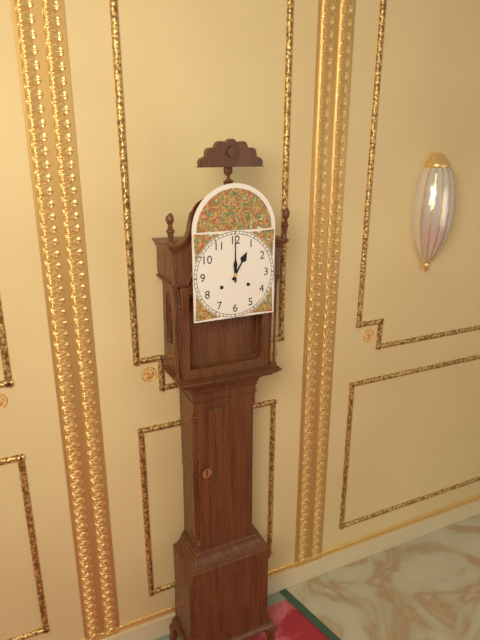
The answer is 1.00
